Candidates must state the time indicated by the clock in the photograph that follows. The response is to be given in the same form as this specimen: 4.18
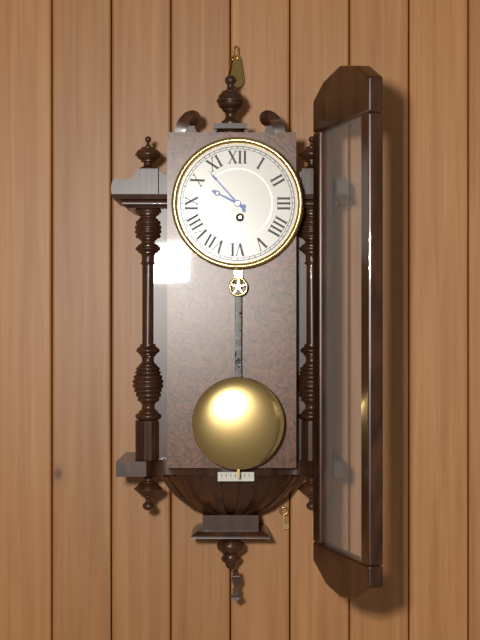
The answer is 9.53
